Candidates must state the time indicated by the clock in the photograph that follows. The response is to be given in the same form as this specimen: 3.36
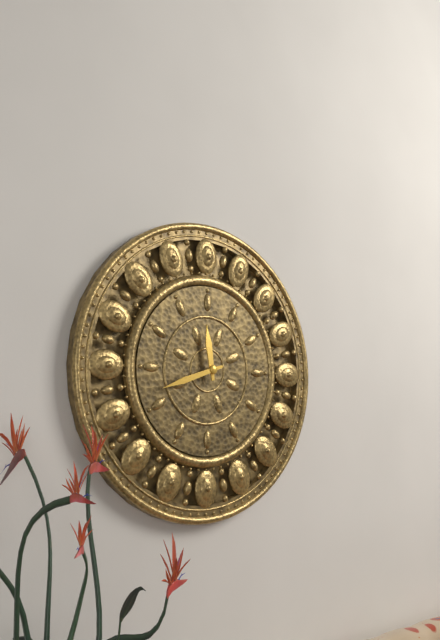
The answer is 11.42
